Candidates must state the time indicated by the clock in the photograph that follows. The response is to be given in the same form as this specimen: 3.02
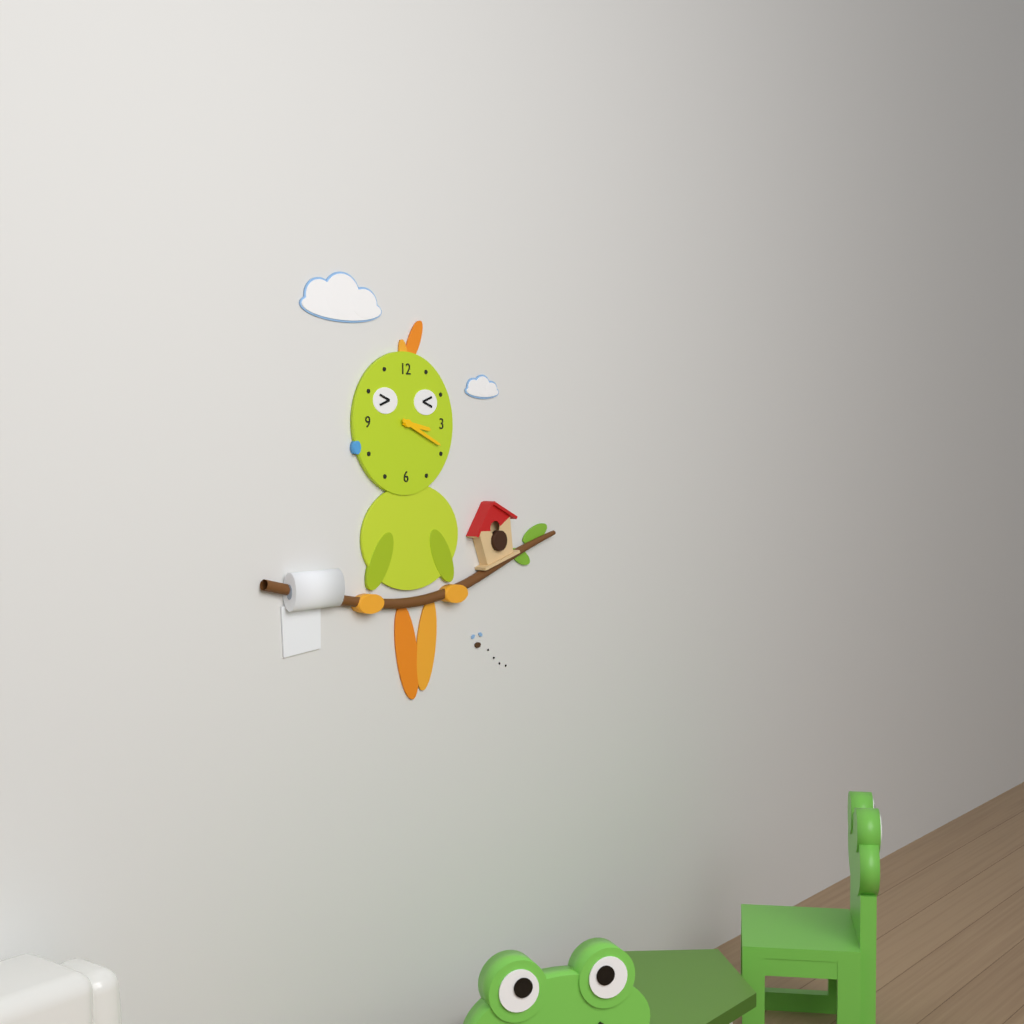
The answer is 3.19
